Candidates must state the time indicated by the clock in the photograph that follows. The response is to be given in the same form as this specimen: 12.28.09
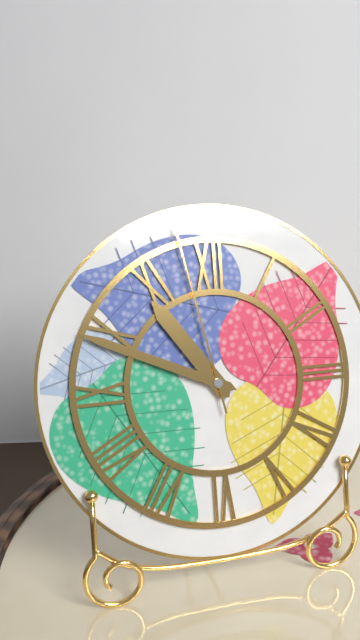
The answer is 10.49.58
